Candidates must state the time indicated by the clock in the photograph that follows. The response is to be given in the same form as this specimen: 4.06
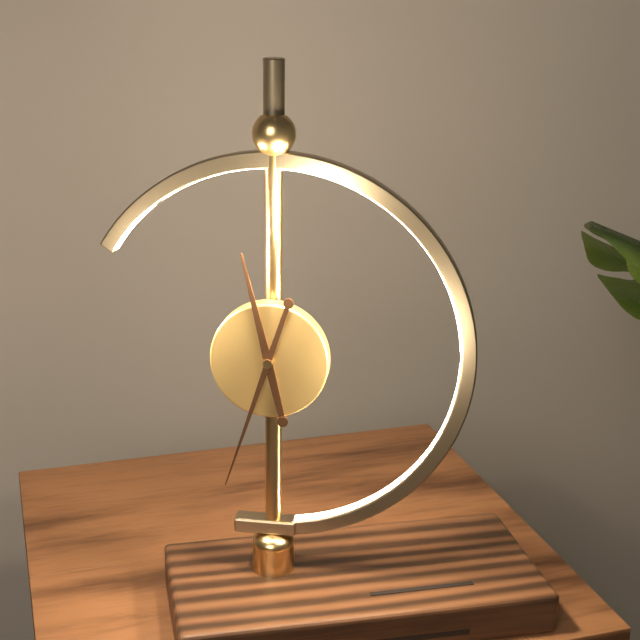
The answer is 11.33
